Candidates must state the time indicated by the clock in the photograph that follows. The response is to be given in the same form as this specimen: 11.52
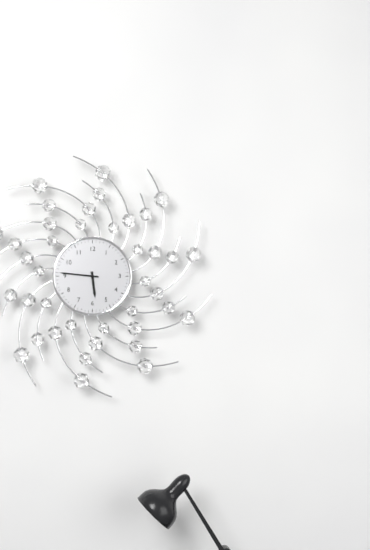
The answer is 5.46
